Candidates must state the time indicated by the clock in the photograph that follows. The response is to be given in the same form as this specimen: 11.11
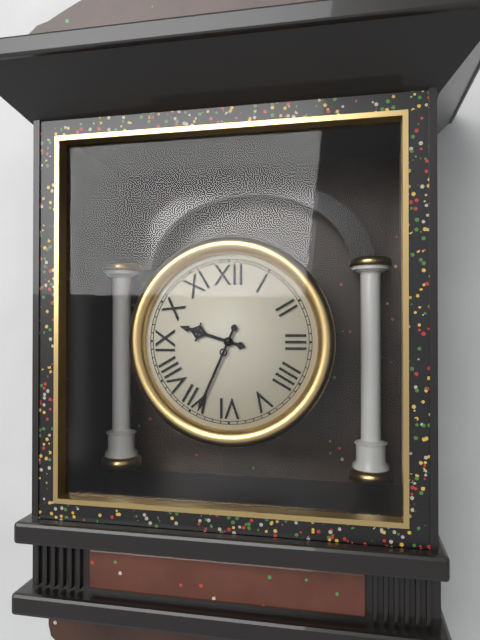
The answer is 9.34
